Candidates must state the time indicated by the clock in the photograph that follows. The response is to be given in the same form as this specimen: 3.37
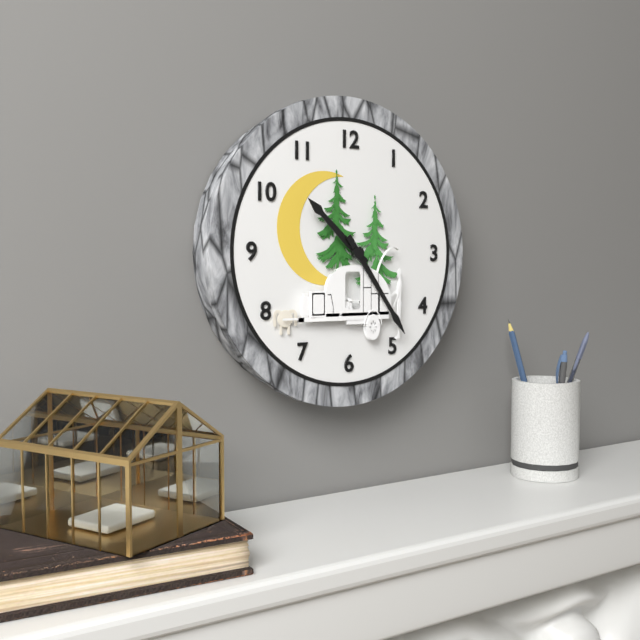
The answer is 10.24
